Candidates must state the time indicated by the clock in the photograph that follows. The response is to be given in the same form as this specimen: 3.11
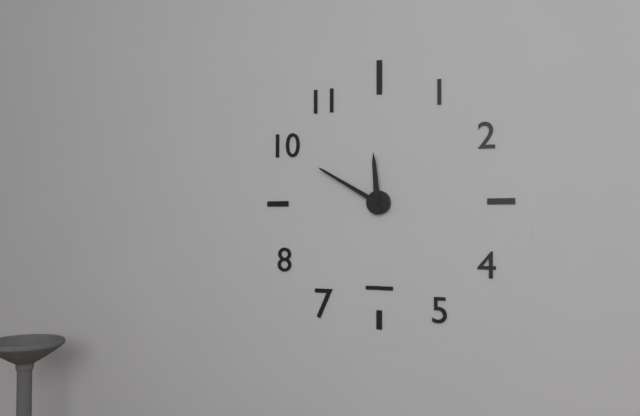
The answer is 11.50
